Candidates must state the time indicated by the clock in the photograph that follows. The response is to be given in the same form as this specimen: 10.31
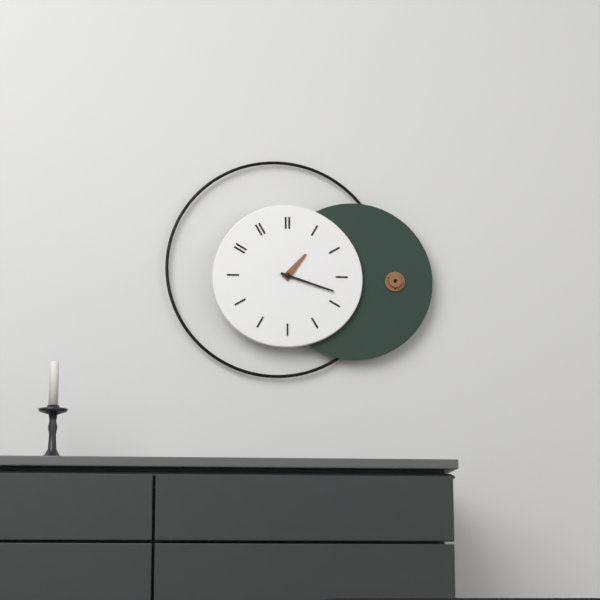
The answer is 1.18
